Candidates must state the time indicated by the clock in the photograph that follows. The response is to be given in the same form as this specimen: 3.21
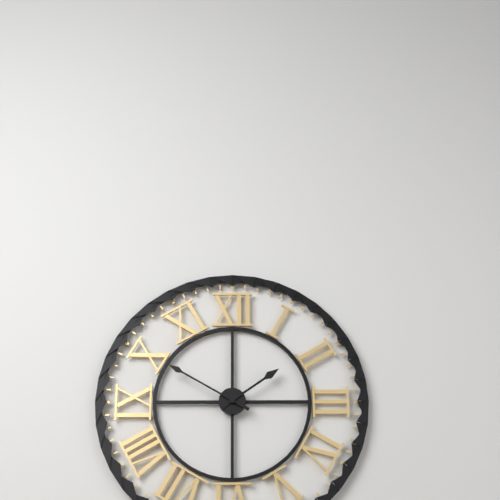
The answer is 1.50
